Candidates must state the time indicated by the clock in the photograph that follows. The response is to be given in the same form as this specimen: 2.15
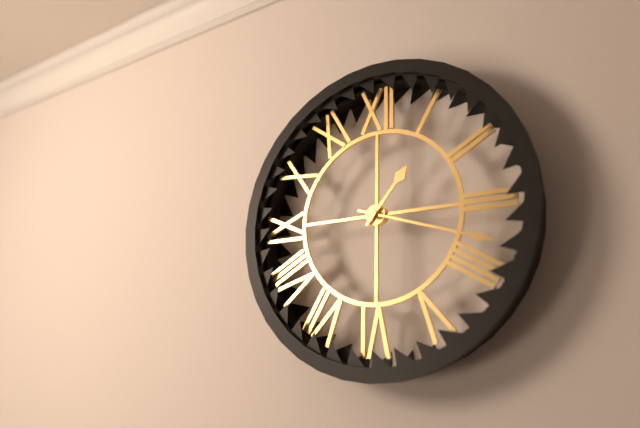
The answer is 1.18
